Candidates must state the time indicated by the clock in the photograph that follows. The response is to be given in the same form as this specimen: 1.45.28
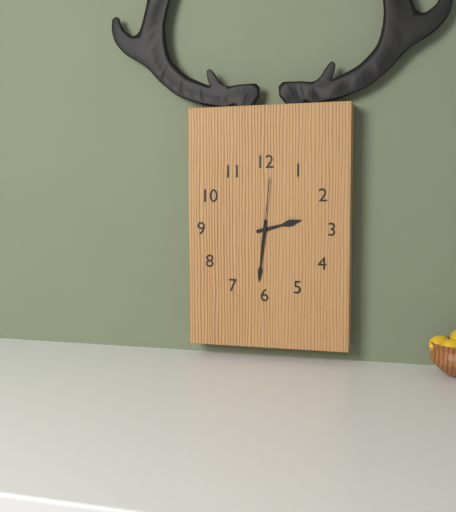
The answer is 2.31.01
